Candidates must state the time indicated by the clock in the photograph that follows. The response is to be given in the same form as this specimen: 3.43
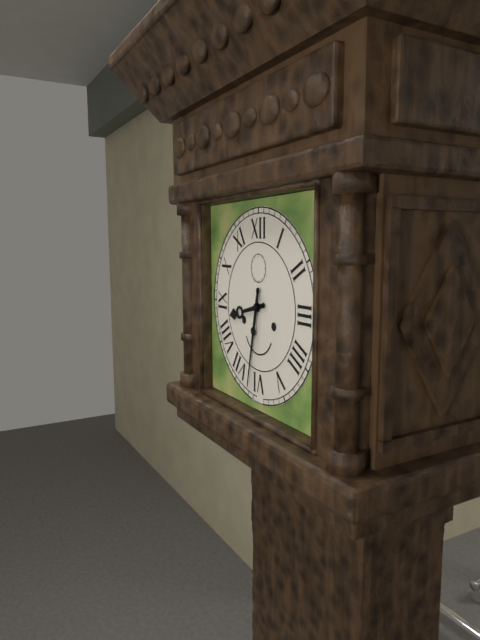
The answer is 8.32
